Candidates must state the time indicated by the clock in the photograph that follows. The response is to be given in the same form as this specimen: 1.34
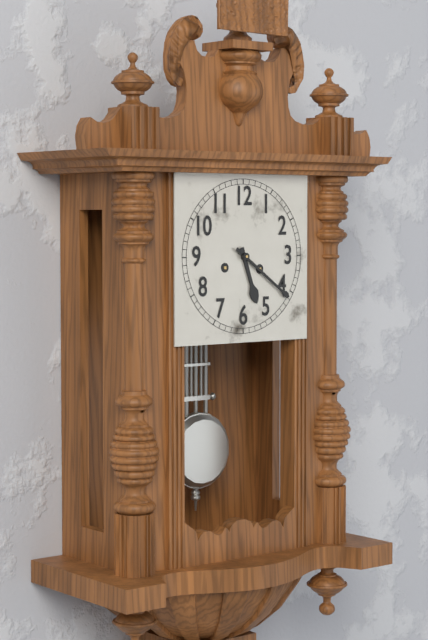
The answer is 5.21
